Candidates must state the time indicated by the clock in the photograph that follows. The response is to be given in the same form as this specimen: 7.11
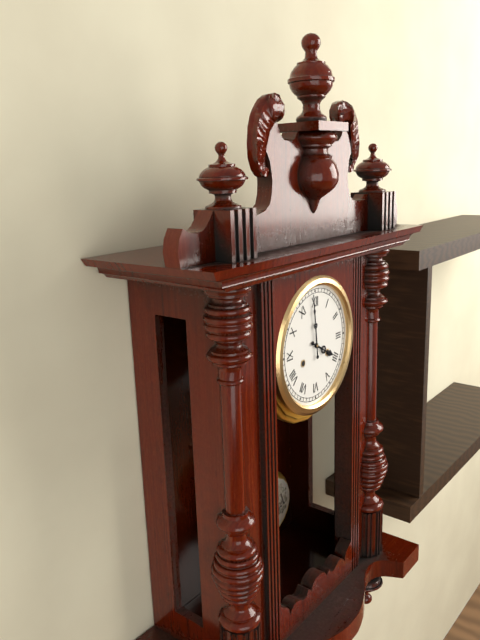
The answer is 3.59
